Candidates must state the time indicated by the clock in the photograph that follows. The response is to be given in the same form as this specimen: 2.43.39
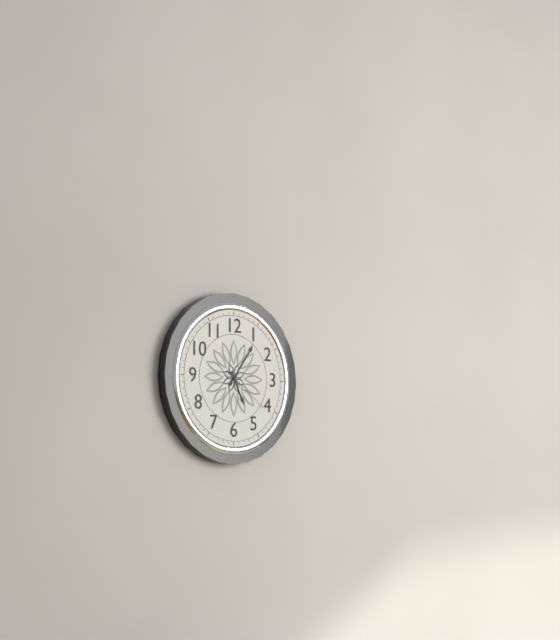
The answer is 5.06.21
